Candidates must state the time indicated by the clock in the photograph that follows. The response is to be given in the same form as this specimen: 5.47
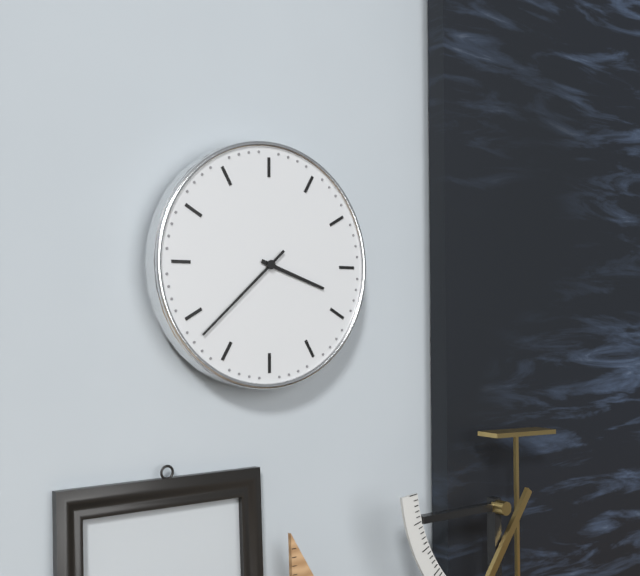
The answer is 3.38
